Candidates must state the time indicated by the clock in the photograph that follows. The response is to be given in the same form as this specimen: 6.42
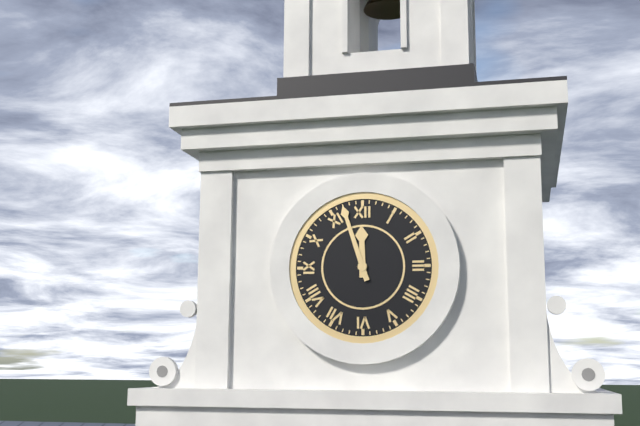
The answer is 11.57
